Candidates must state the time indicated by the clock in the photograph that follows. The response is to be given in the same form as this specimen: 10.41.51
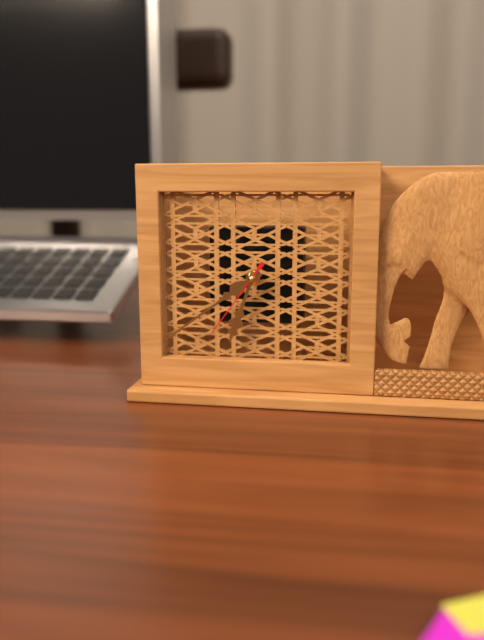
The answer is 6.39.36
